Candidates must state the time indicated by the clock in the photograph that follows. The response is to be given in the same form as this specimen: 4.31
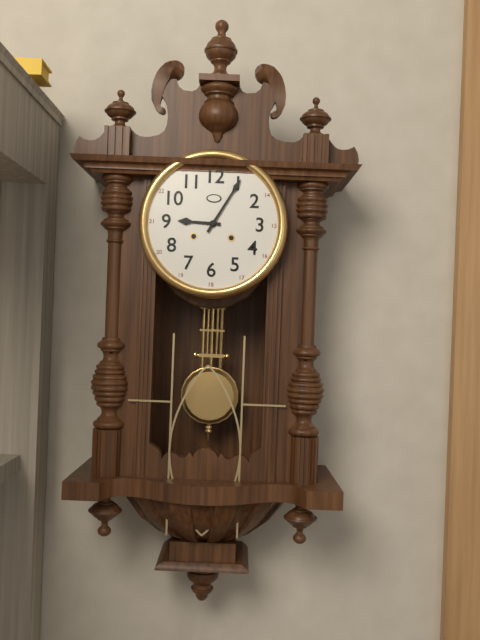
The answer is 9.05
